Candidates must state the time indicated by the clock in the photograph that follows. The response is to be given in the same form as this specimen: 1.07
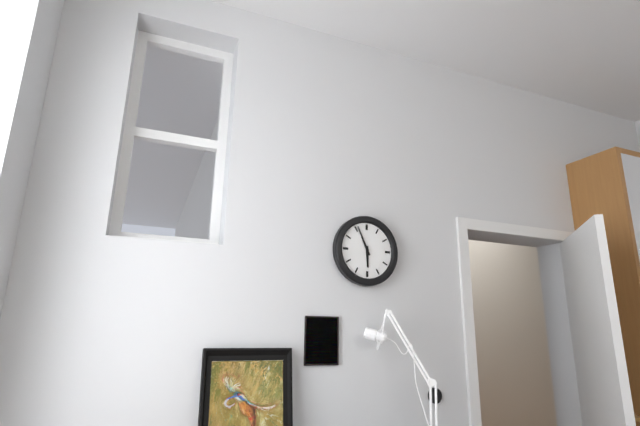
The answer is 5.56
